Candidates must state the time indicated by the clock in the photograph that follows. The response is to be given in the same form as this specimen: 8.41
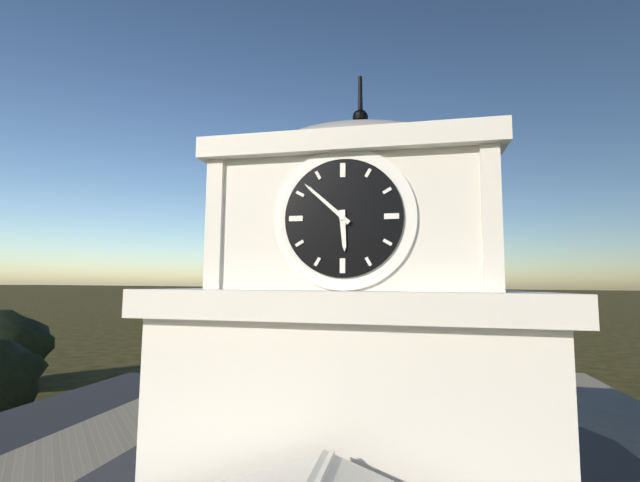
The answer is 5.52
